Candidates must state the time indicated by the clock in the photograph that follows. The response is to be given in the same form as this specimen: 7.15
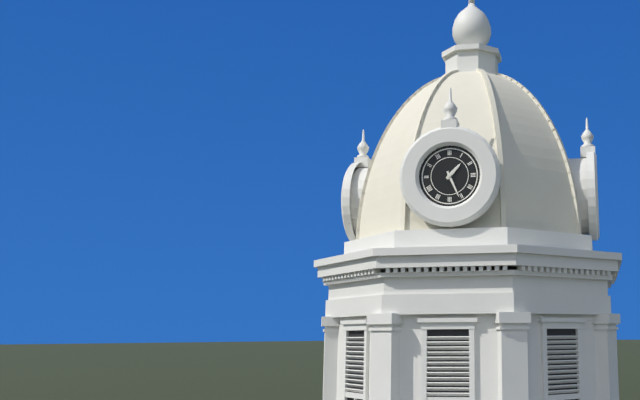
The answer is 1.26
